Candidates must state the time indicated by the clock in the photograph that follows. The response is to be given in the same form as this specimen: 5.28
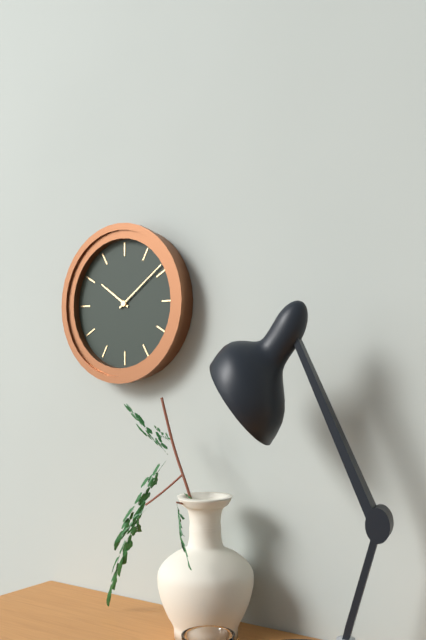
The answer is 10.09
